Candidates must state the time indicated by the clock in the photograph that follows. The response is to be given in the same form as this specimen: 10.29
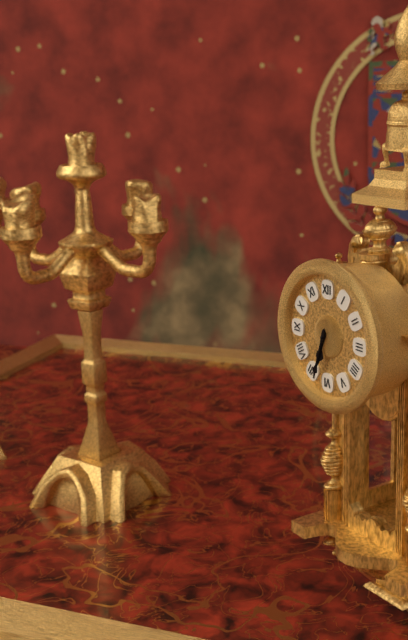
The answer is 6.33
